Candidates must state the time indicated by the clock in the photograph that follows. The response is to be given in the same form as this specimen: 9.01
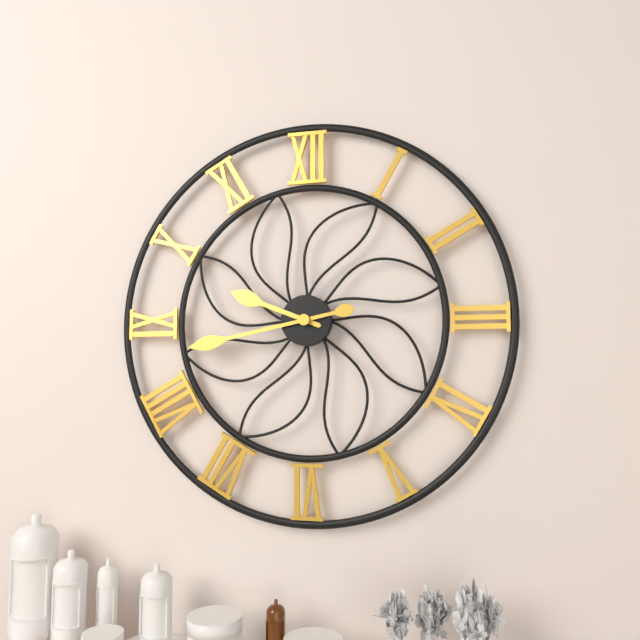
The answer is 9.43
